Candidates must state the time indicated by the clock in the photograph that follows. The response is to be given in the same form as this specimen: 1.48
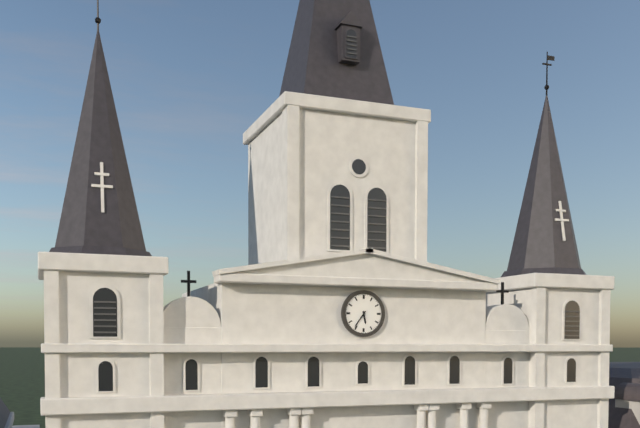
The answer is 5.36
